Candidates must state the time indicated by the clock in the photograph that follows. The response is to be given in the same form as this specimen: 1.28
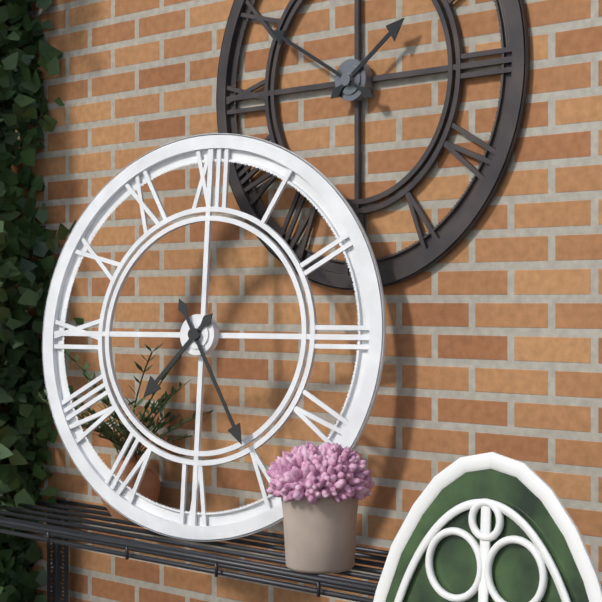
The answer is 7.25
